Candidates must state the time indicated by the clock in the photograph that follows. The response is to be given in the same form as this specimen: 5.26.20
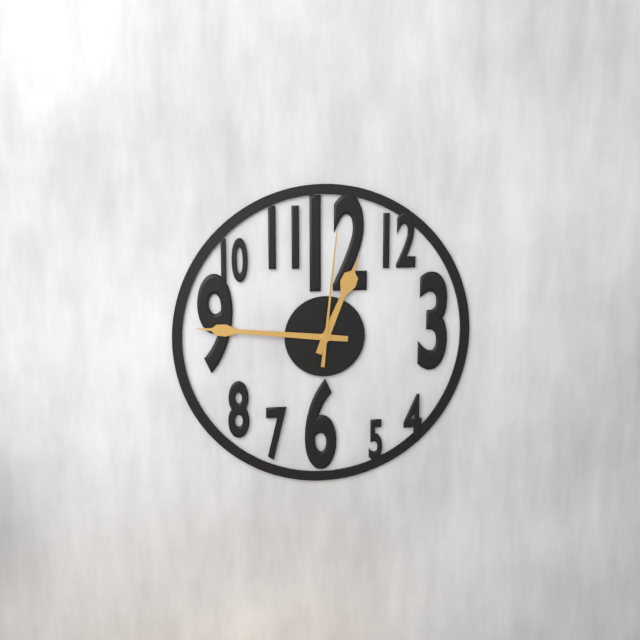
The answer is 12.46.01
